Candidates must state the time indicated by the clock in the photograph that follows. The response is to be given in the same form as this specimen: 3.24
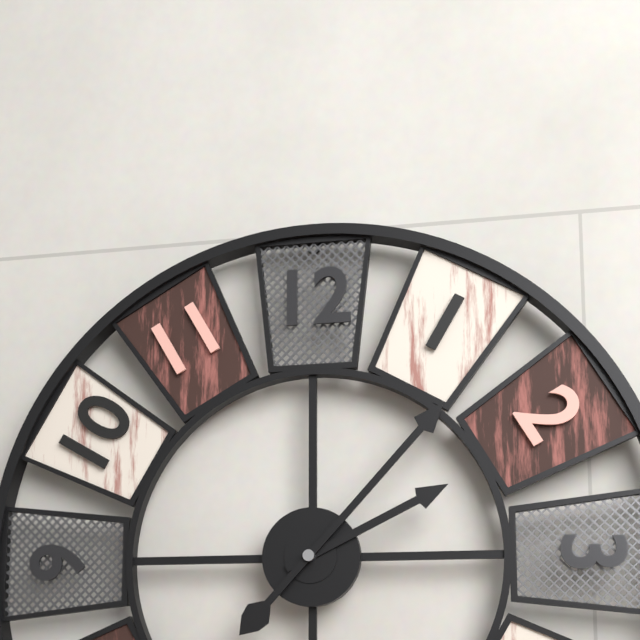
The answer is 2.07
